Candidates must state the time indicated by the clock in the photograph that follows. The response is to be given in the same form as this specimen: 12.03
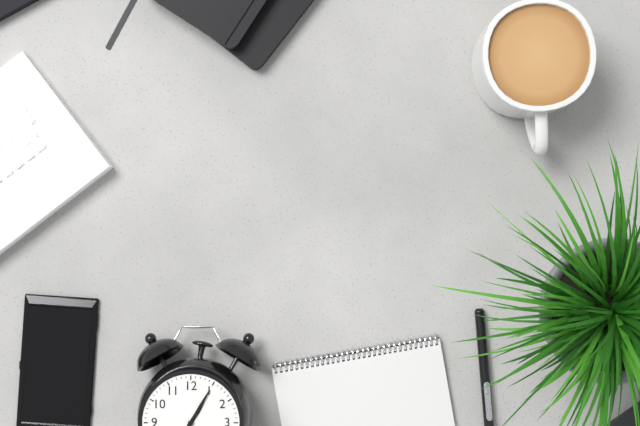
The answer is 1.05
